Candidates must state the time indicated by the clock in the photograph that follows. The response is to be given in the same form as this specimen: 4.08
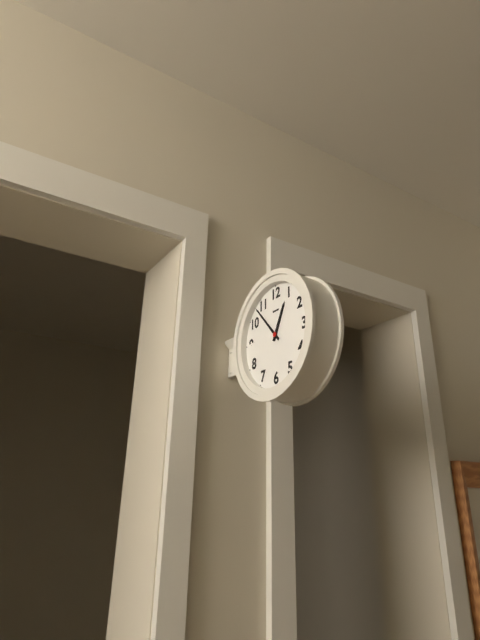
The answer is 12.53
